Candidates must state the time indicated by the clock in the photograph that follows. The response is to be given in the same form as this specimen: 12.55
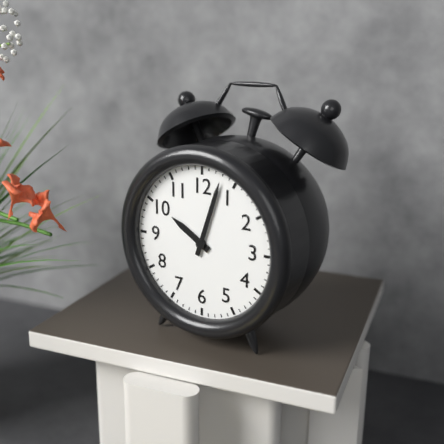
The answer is 10.03
